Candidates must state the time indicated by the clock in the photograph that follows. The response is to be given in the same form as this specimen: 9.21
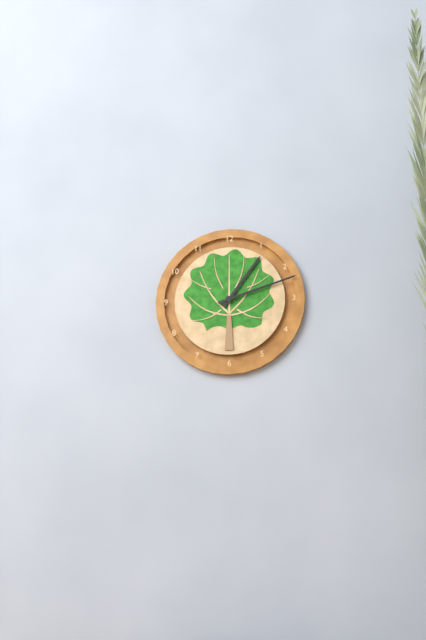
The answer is 1.12
